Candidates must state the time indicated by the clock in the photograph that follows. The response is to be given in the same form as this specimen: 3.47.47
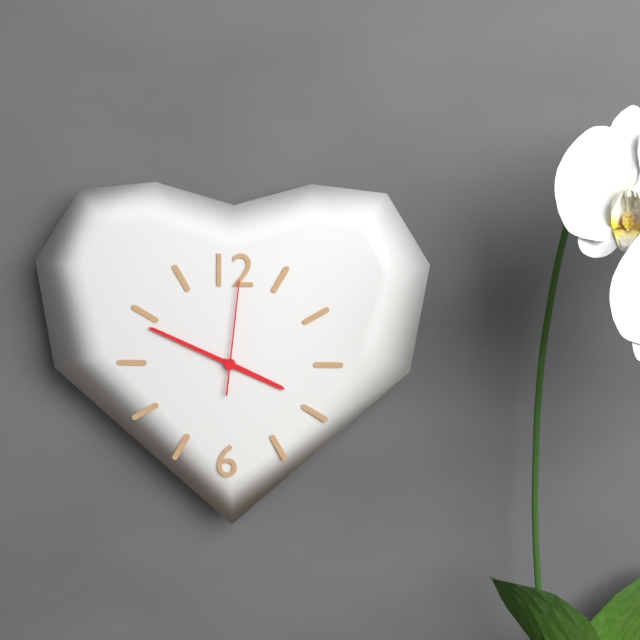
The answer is 3.49.01
